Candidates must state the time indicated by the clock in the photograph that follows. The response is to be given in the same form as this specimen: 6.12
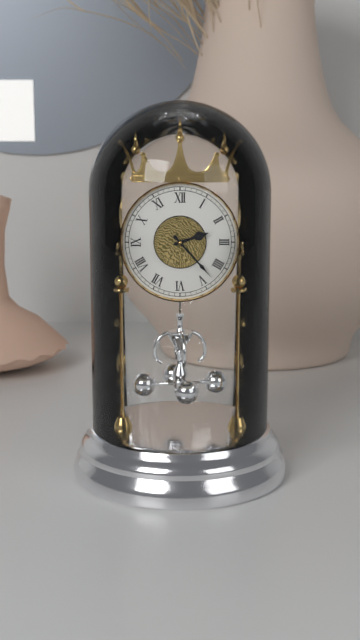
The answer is 2.23
